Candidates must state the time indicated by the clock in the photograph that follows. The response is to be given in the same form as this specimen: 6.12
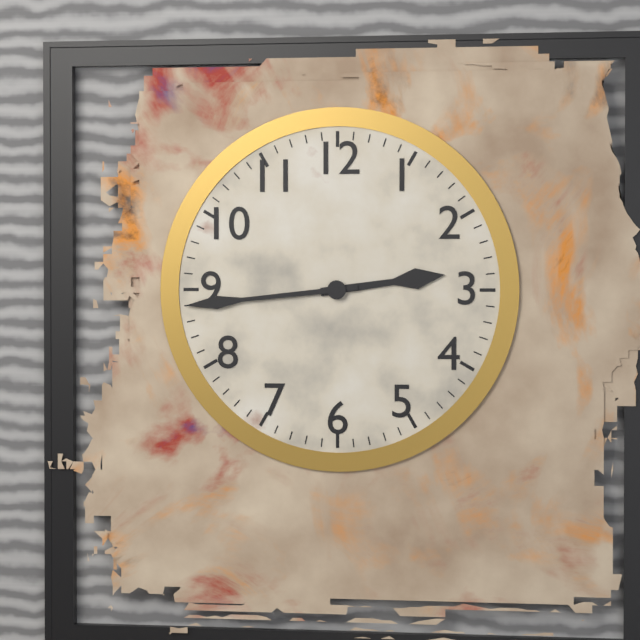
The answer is 2.44
